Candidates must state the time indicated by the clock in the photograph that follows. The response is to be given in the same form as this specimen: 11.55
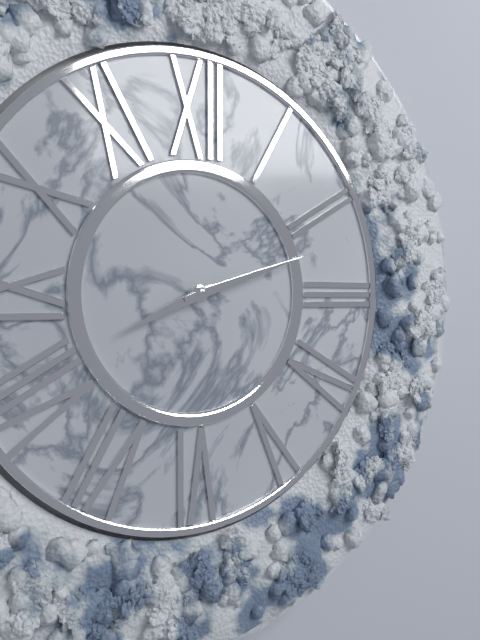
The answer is 8.12
